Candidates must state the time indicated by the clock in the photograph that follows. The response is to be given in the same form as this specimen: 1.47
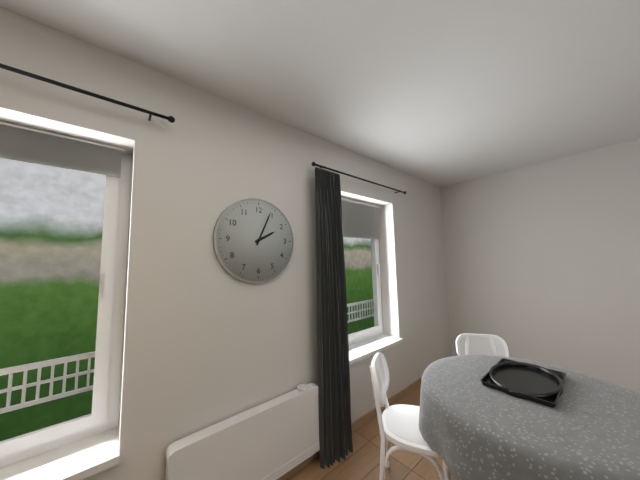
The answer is 2.04
